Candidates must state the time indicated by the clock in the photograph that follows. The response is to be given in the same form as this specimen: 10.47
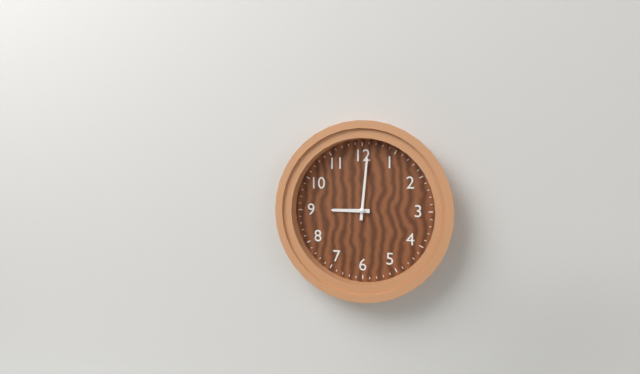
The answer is 9.01
